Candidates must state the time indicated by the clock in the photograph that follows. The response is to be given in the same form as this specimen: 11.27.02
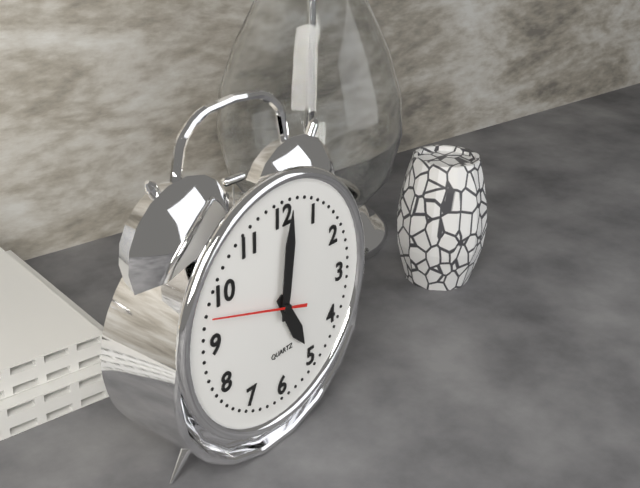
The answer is 5.01.48
